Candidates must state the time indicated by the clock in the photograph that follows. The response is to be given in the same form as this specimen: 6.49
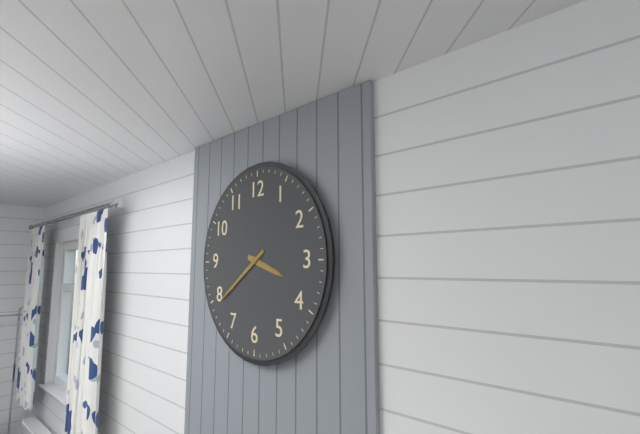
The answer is 3.39
